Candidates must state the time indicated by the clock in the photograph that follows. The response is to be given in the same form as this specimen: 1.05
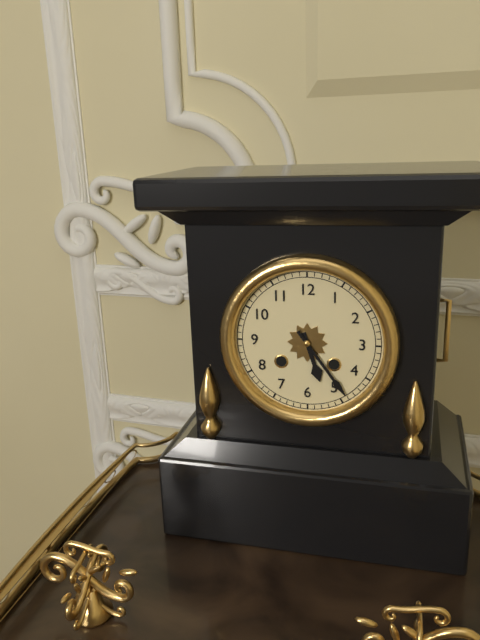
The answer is 5.24
